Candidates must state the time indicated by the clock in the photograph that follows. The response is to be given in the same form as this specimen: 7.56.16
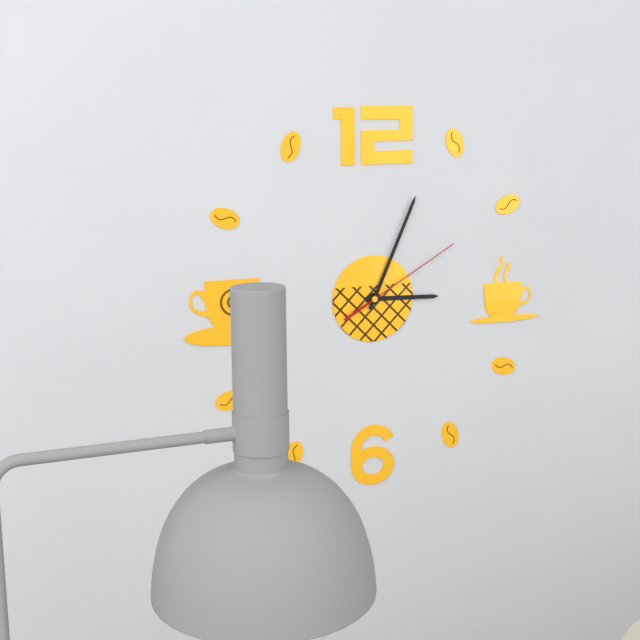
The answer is 3.04.10
